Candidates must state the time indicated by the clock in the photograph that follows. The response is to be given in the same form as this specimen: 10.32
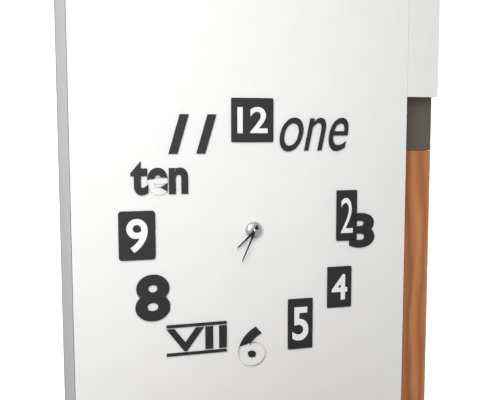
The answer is 7.34
